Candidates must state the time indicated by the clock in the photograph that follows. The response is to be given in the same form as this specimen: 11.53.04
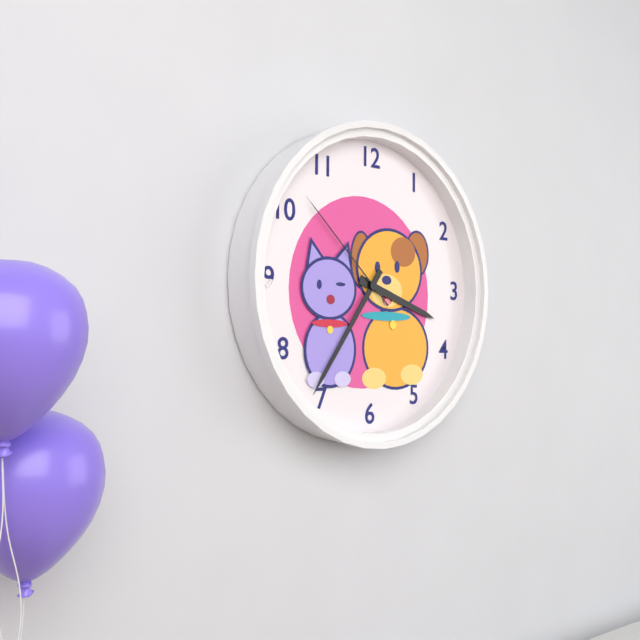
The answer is 3.36.52
